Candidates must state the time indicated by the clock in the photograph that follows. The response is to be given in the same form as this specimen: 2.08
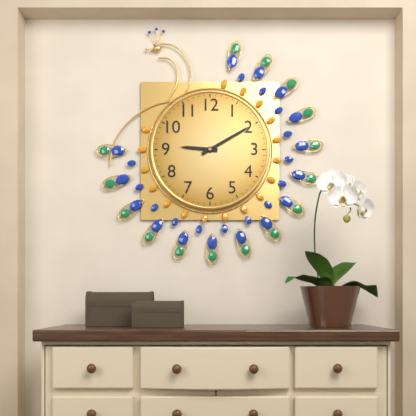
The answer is 9.10
